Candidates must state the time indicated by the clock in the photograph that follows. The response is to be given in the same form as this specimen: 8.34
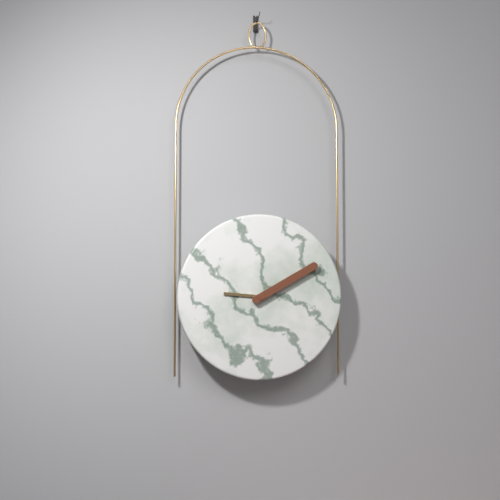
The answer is 9.10
